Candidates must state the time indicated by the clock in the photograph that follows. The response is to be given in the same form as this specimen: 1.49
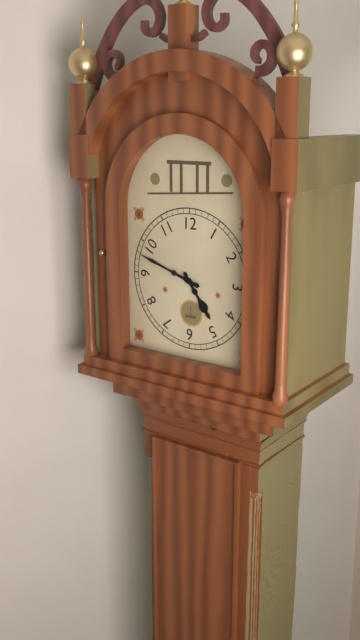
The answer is 4.48
